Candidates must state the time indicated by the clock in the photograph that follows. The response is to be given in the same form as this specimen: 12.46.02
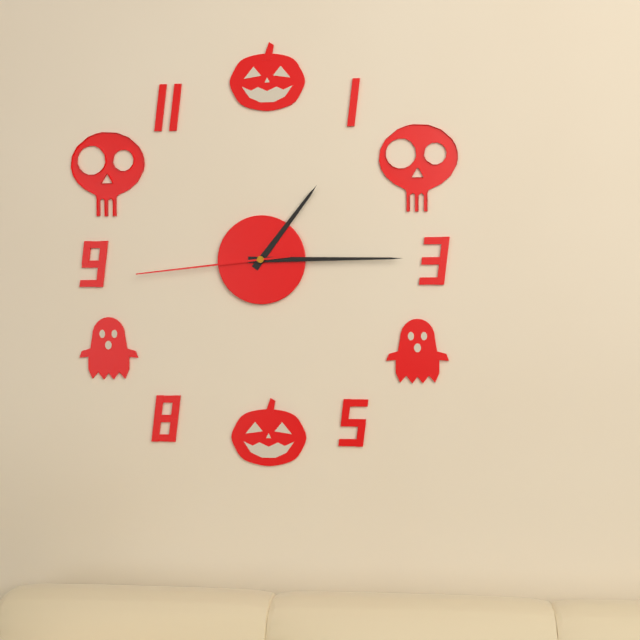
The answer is 1.15.44
